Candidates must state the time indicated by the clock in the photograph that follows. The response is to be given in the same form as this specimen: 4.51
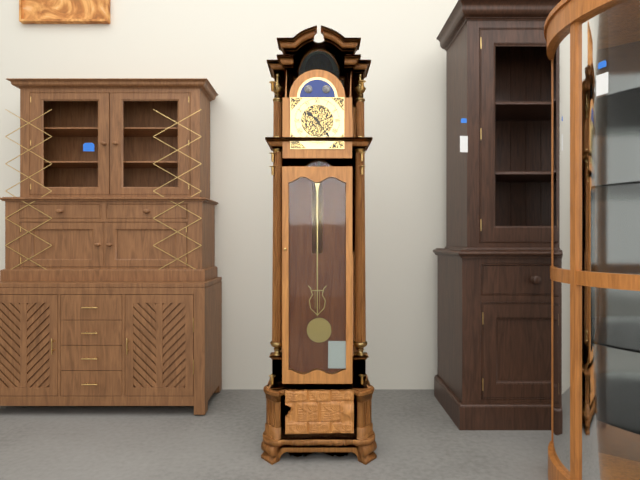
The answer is 10.24
